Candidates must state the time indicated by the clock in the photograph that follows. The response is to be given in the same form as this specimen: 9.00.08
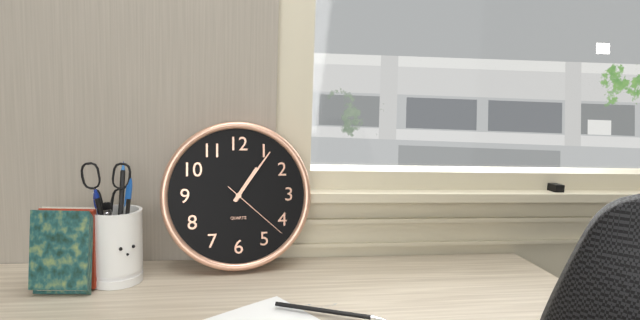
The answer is 1.06.22
